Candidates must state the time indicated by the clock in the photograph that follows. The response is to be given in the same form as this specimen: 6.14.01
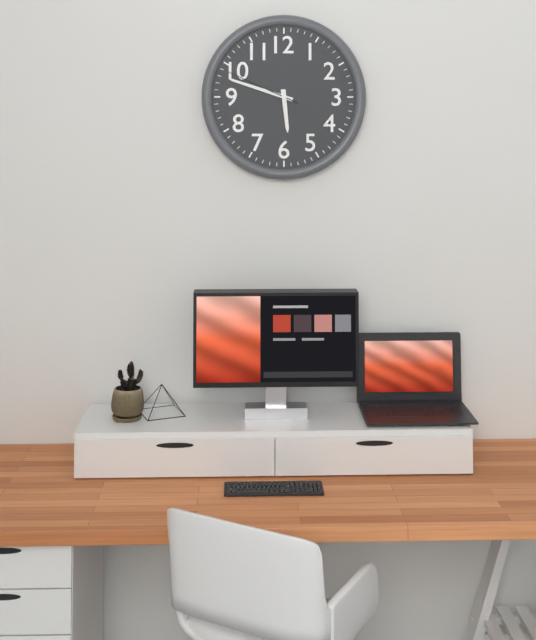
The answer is 5.48.49
